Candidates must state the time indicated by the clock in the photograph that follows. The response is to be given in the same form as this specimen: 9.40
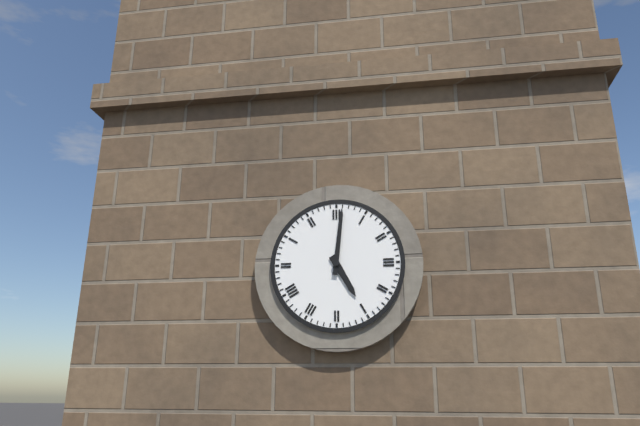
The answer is 5.01
